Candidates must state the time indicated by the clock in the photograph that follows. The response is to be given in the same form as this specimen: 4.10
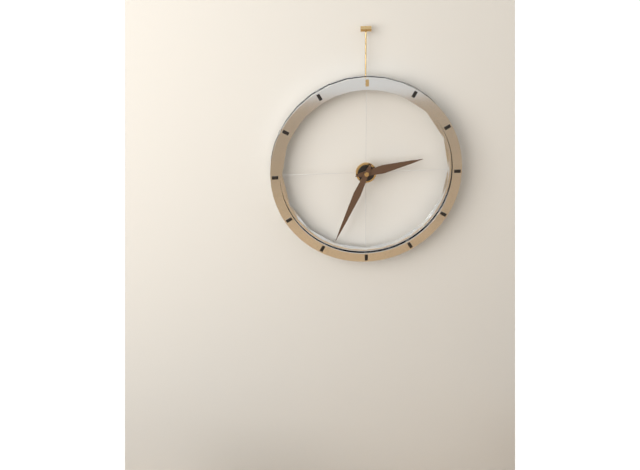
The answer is 2.34
